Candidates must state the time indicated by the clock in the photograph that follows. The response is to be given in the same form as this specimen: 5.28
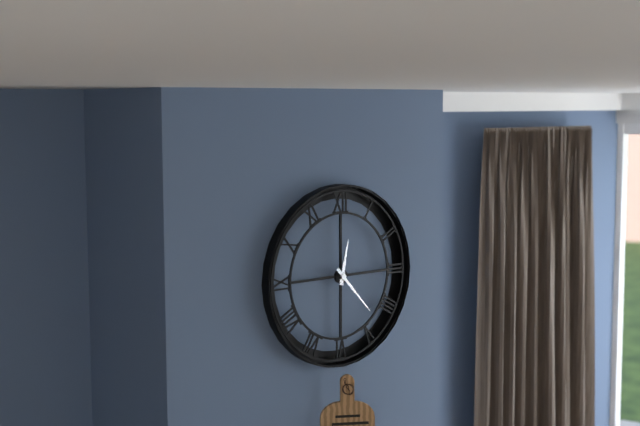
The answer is 12.23
